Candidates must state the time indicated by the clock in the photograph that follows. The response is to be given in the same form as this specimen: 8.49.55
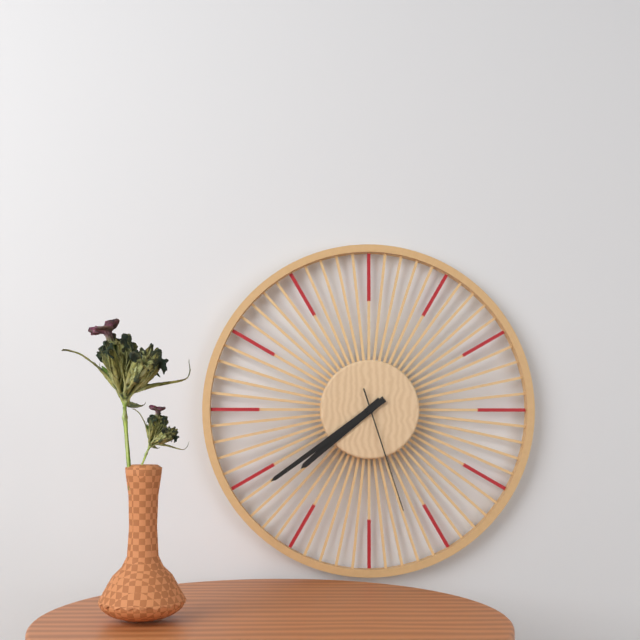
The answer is 7.39.27
